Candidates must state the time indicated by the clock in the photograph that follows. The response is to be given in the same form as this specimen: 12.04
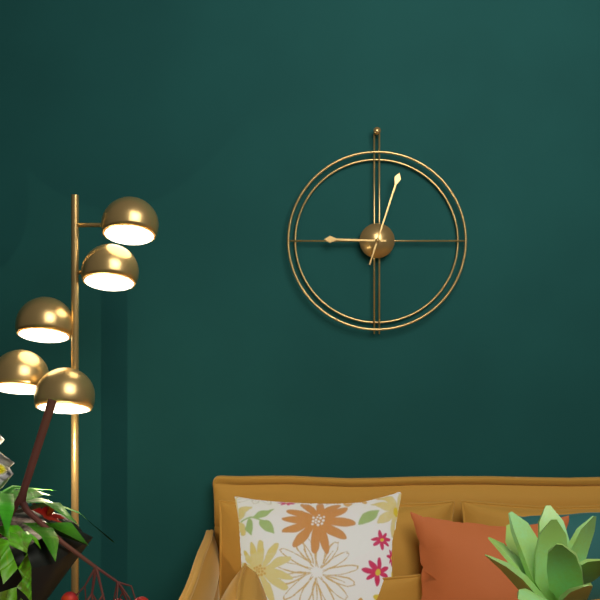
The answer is 9.03
